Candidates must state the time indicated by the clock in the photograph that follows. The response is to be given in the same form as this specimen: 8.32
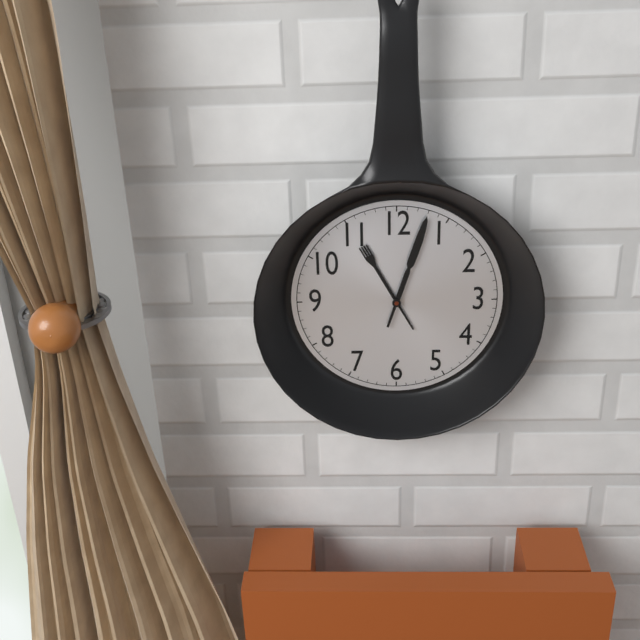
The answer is 11.03
